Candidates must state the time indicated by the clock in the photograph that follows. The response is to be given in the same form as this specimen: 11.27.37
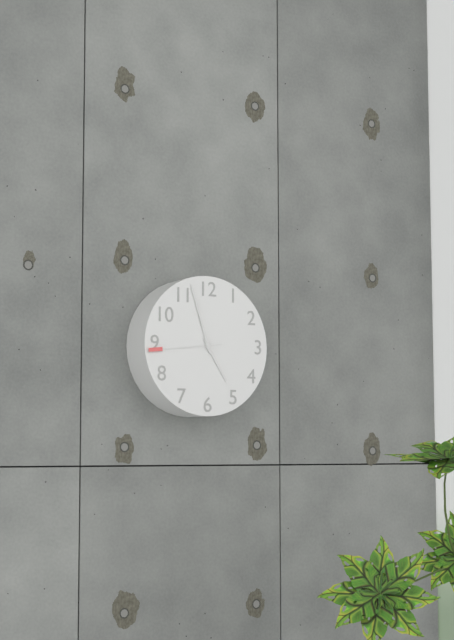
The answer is 4.57.44
